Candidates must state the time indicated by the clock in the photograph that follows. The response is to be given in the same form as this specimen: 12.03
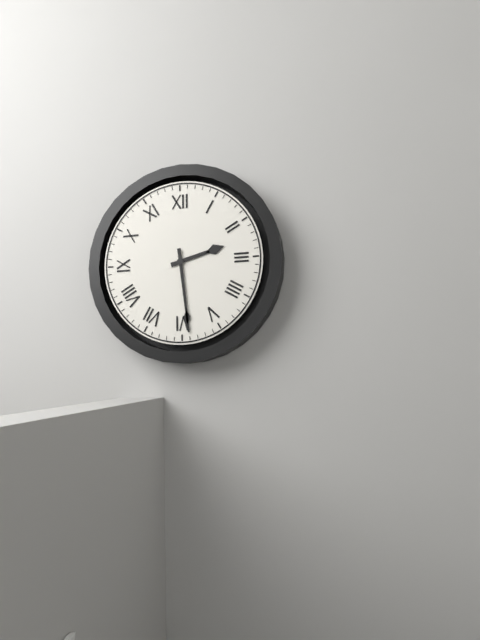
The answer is 2.29
